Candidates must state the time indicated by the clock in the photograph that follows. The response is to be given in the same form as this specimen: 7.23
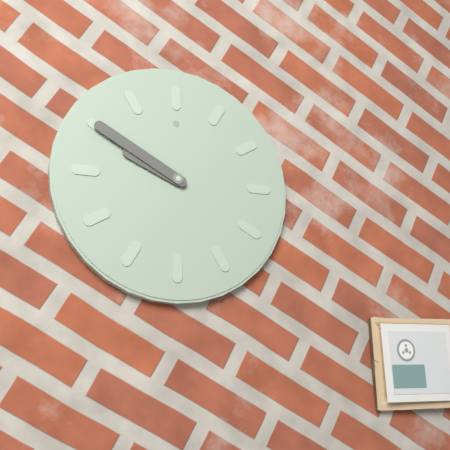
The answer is 9.50
